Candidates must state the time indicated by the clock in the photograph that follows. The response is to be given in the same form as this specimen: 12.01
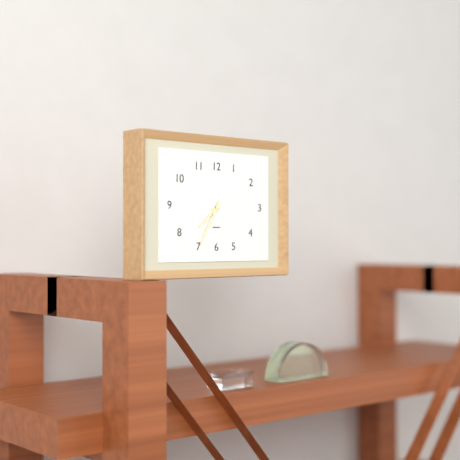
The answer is 7.35
